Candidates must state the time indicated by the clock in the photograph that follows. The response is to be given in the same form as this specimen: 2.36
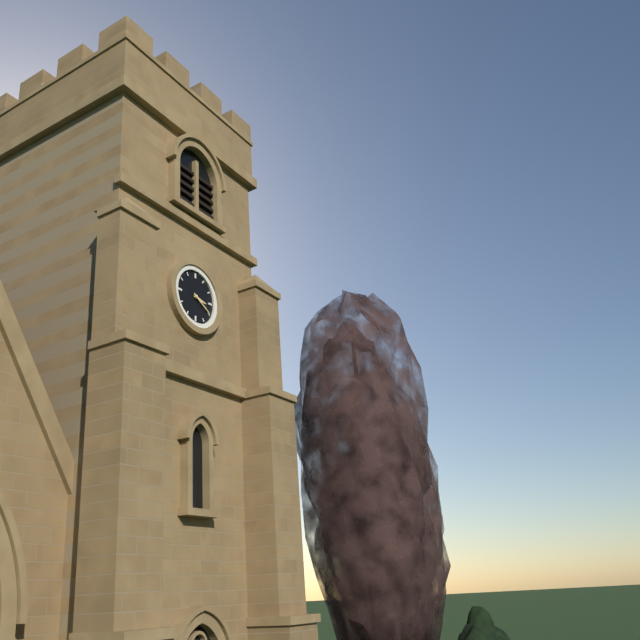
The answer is 3.20
